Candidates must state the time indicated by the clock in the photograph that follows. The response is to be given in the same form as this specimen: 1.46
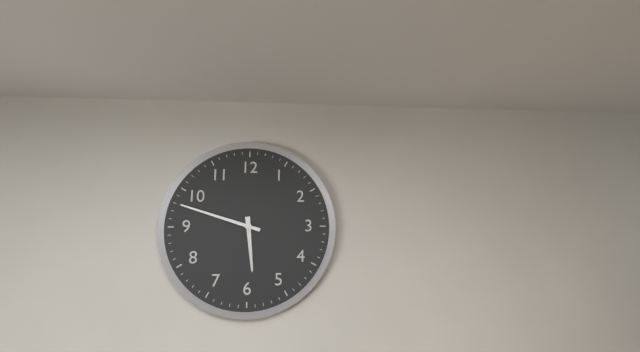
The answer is 5.48
